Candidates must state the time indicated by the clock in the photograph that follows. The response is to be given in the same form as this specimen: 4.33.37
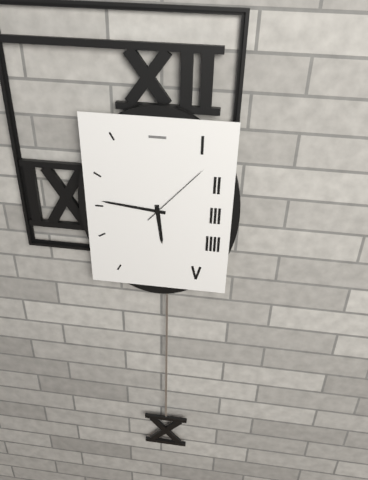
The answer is 5.46.07
